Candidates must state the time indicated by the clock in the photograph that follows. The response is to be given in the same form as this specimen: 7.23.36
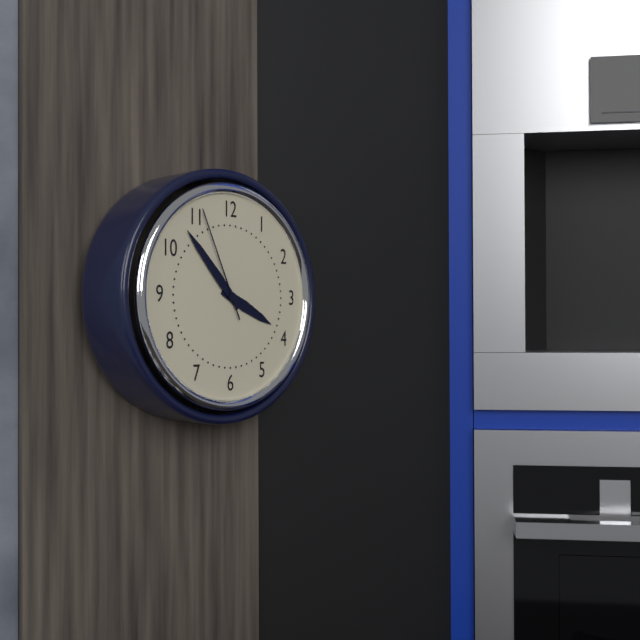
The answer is 3.53.56
